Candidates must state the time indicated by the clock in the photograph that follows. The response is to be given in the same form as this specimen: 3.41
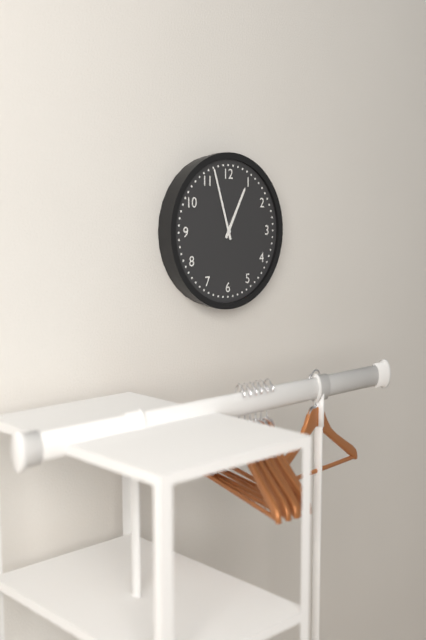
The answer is 12.57
